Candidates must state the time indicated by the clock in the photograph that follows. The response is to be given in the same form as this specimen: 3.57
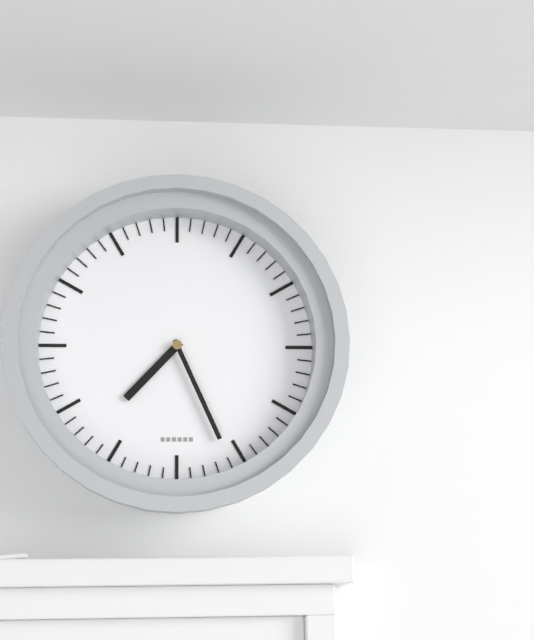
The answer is 7.26
